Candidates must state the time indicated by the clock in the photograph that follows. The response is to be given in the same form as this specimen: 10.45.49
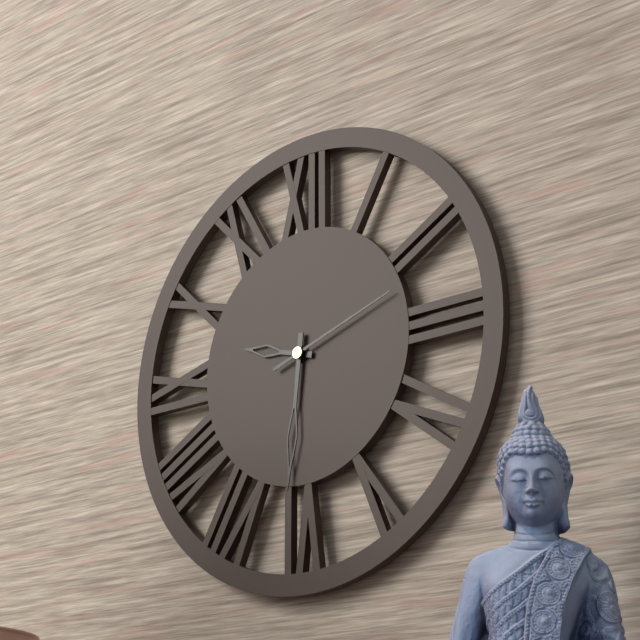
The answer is 9.31.12
